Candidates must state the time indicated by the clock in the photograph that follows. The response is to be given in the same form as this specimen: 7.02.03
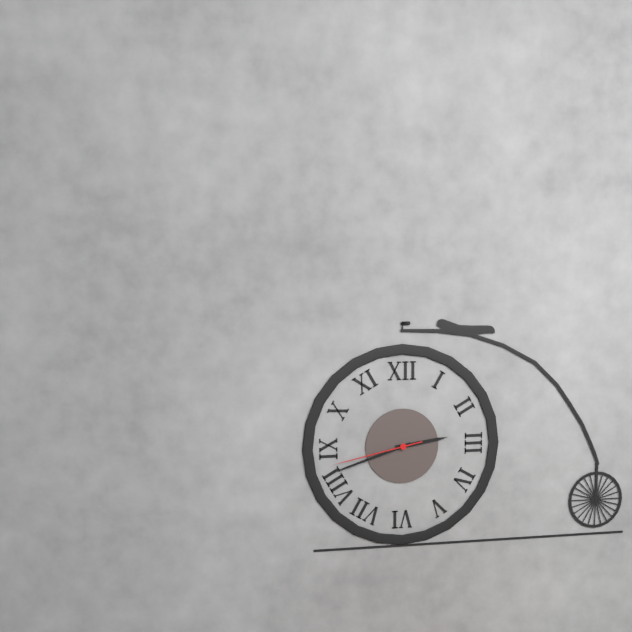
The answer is 2.42.43
